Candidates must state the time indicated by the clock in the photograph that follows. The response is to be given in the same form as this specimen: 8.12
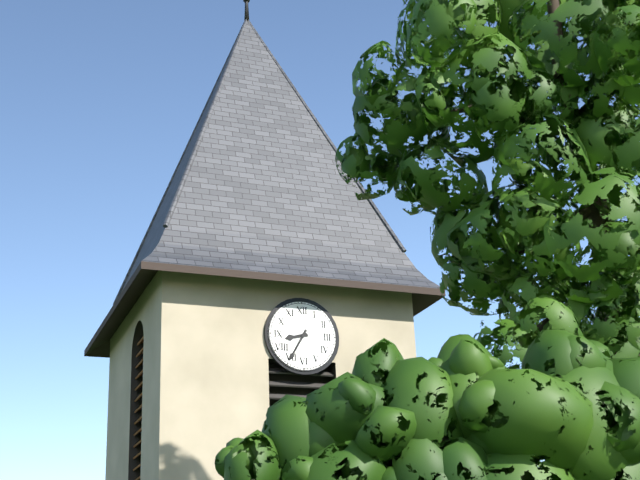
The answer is 8.35
